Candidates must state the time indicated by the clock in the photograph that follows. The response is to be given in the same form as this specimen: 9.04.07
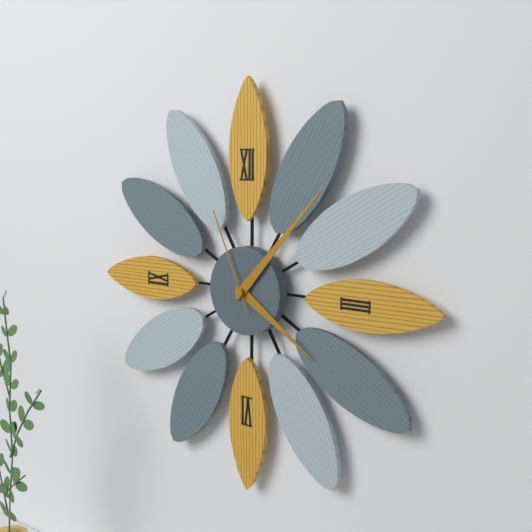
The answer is 4.07.56
